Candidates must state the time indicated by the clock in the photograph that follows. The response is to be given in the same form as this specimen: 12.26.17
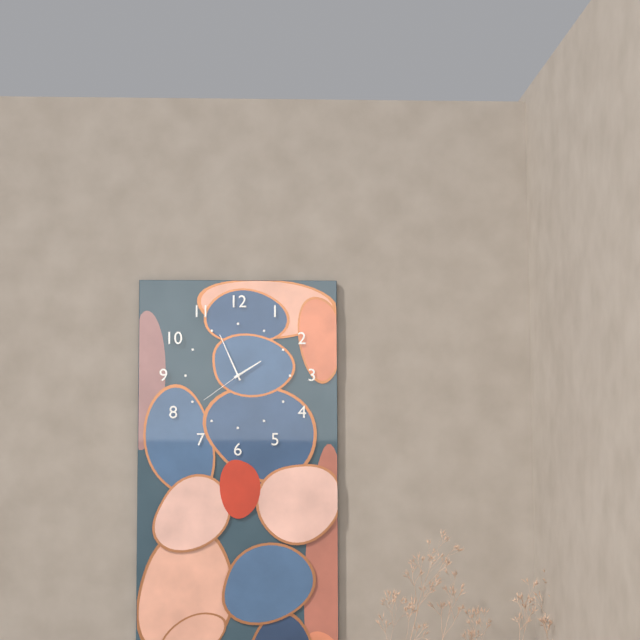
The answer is 1.56.39
